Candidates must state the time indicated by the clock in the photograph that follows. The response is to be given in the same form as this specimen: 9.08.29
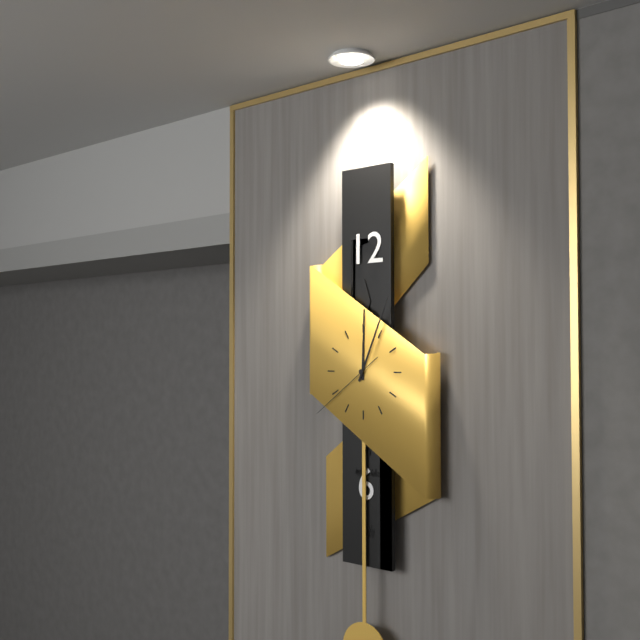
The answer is 12.04.39
